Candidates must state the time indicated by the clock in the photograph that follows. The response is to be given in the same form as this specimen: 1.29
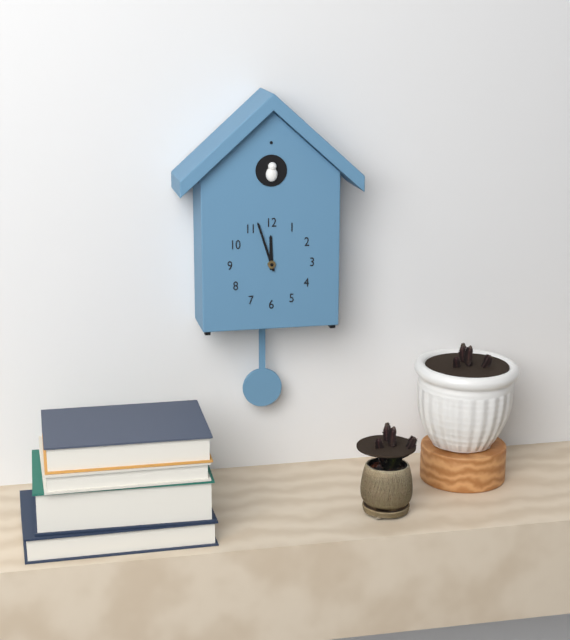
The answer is 11.57
